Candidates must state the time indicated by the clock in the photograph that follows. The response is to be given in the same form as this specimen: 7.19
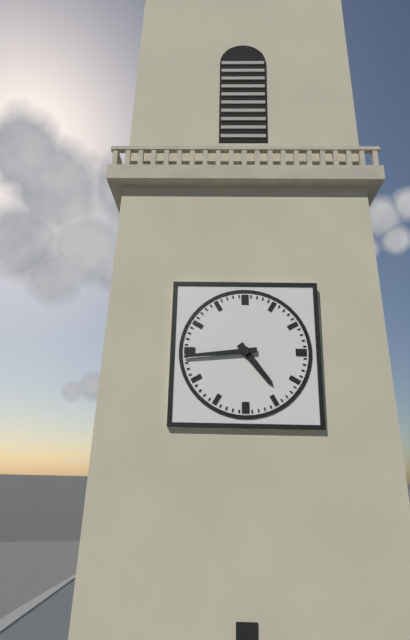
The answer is 4.44
